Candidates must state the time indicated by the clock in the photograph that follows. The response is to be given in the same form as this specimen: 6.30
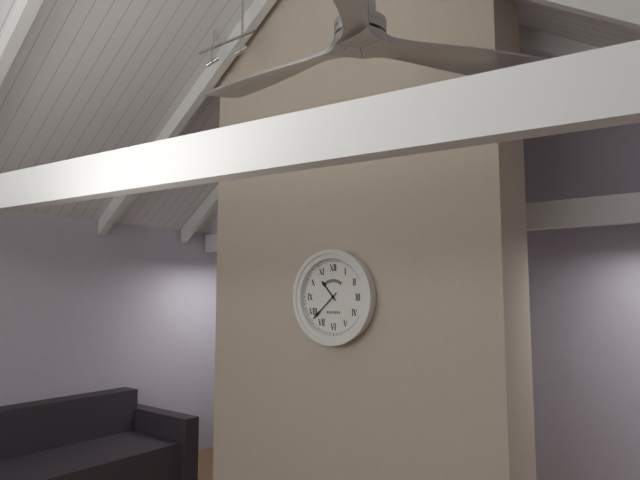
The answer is 10.38
